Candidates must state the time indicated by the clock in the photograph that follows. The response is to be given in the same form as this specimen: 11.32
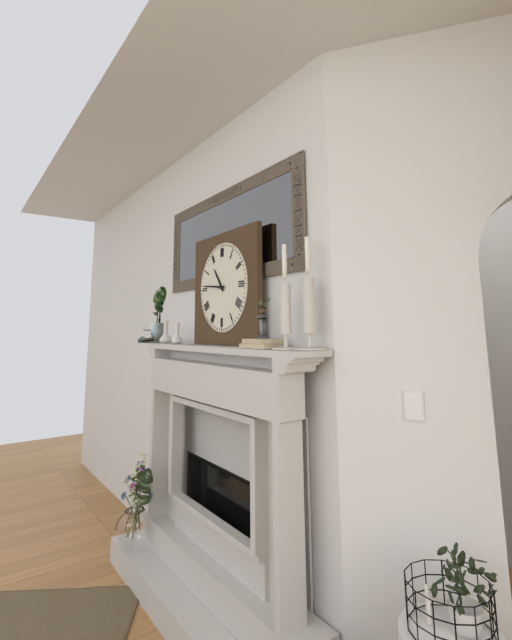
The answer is 10.46
